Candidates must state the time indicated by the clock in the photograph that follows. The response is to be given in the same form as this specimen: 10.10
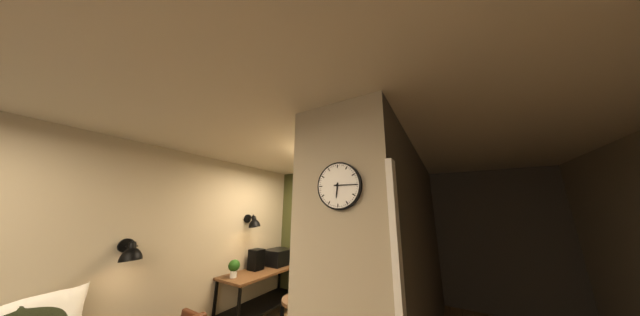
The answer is 6.15
